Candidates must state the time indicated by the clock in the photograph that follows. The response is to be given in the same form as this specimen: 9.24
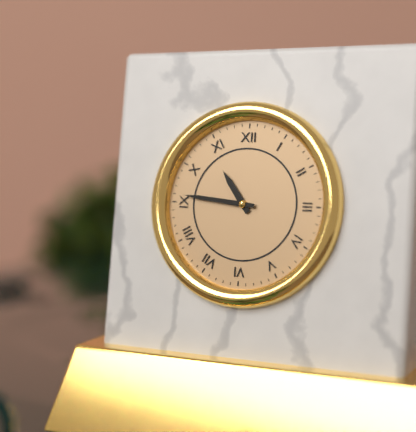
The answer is 10.46
